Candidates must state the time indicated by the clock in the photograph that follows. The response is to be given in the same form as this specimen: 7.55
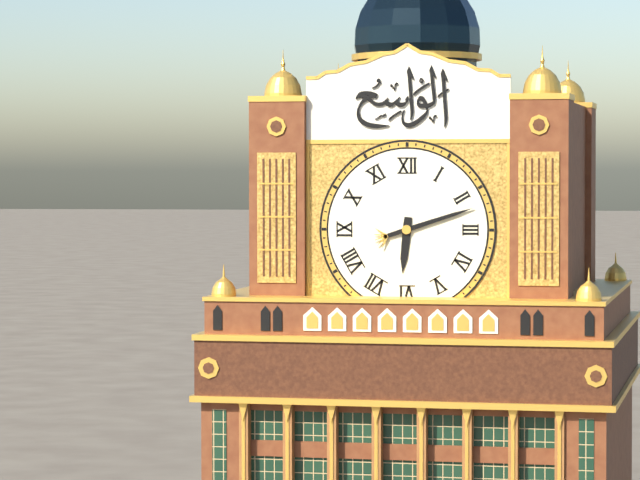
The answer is 6.12
